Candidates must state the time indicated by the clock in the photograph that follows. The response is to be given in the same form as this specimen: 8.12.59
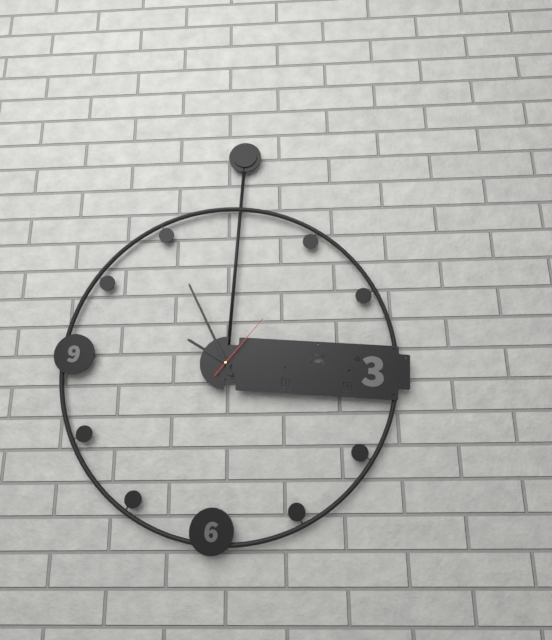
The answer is 9.55.06
